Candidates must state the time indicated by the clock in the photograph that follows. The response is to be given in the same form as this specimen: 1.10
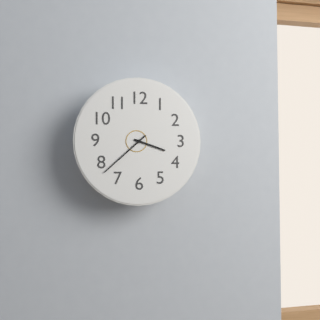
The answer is 3.38
